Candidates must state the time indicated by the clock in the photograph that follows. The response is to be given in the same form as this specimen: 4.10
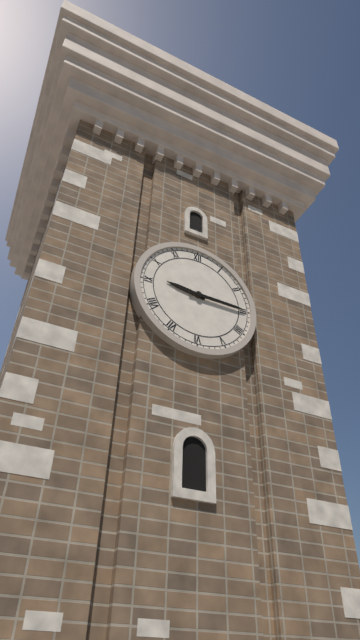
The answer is 9.15
